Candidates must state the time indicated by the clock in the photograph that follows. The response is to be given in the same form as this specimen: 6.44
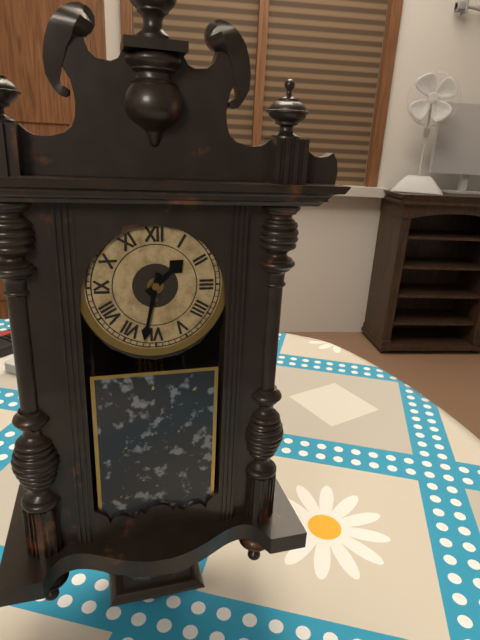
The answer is 1.32
